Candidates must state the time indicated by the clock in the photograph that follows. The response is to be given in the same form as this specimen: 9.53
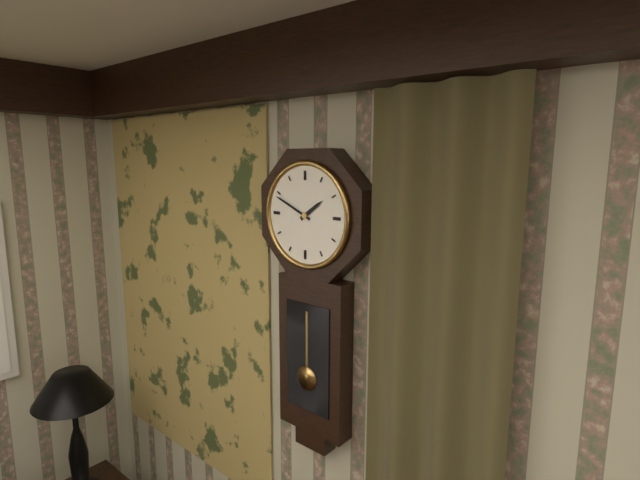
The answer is 1.49
